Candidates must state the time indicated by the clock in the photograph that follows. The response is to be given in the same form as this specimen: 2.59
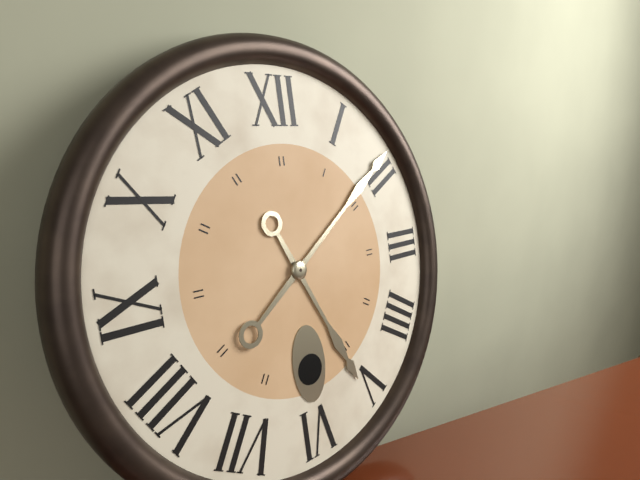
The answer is 5.09
